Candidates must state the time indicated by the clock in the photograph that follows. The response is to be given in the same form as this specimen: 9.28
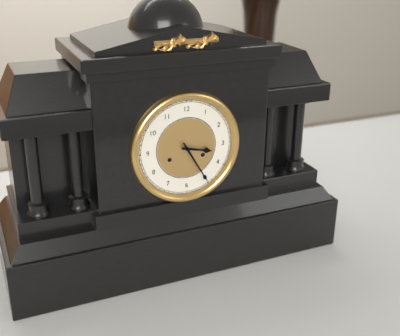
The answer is 3.25
